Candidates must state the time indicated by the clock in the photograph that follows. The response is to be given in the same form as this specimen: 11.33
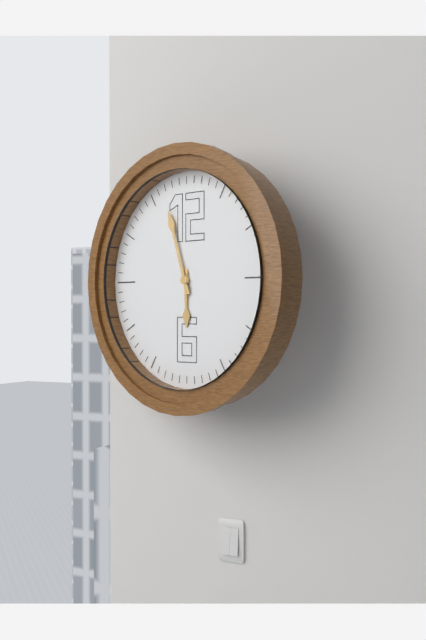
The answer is 5.57
